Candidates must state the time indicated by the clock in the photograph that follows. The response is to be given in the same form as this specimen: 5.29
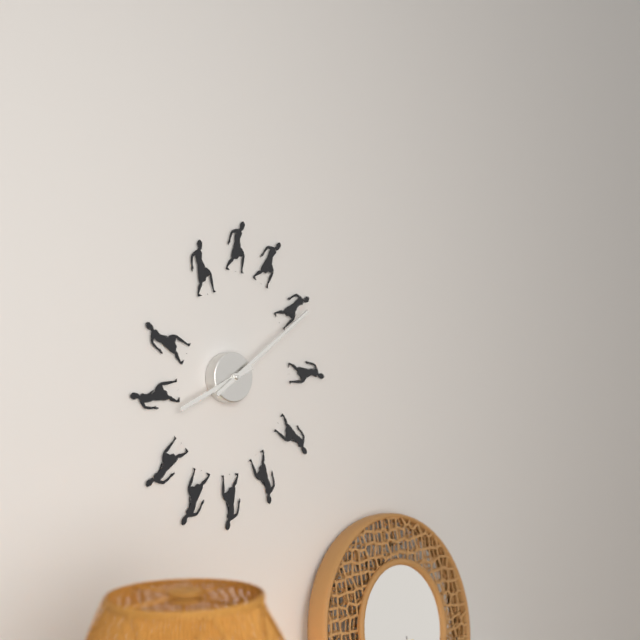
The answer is 8.09
